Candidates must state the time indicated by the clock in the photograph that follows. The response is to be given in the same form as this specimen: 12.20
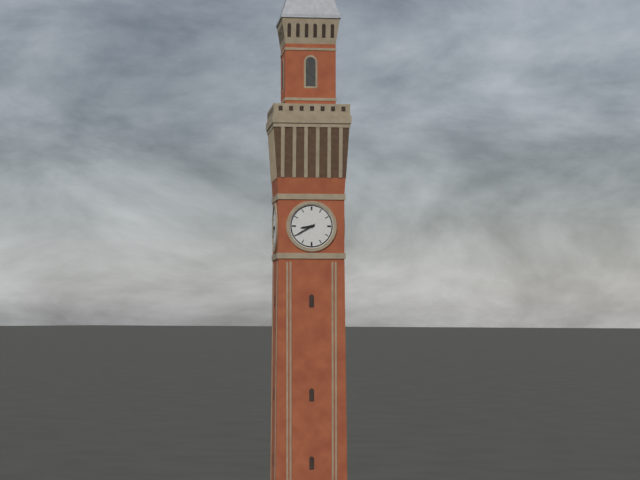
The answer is 8.40
